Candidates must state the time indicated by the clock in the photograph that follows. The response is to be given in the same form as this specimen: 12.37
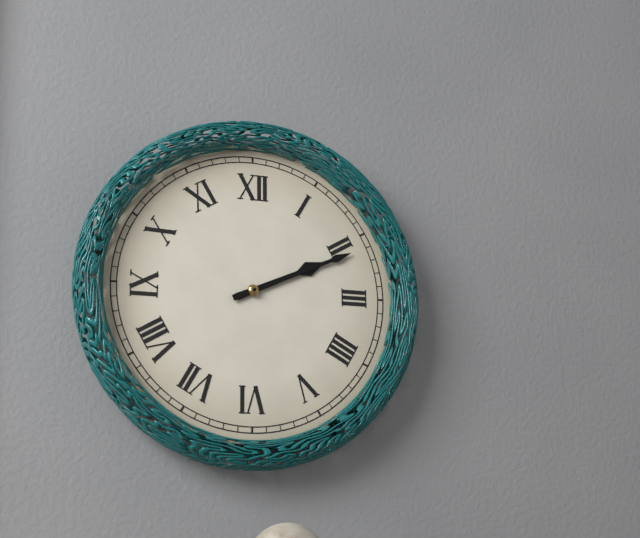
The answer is 2.11
